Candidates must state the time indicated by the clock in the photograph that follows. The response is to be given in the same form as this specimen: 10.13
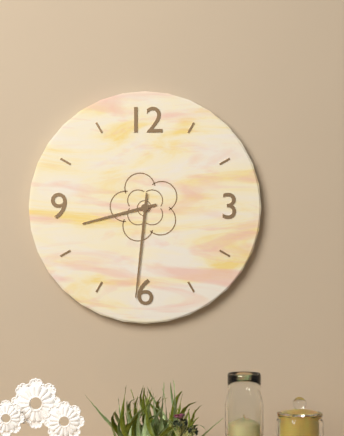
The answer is 8.31
